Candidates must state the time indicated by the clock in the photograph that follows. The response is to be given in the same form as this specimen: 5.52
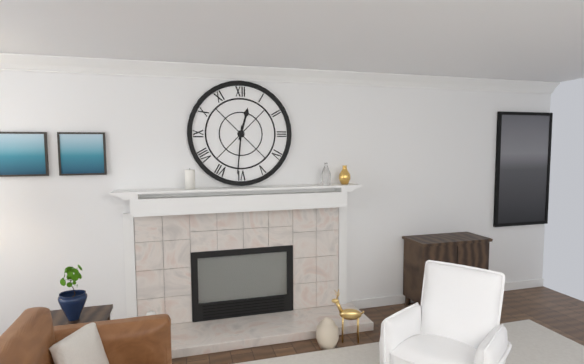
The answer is 12.31
